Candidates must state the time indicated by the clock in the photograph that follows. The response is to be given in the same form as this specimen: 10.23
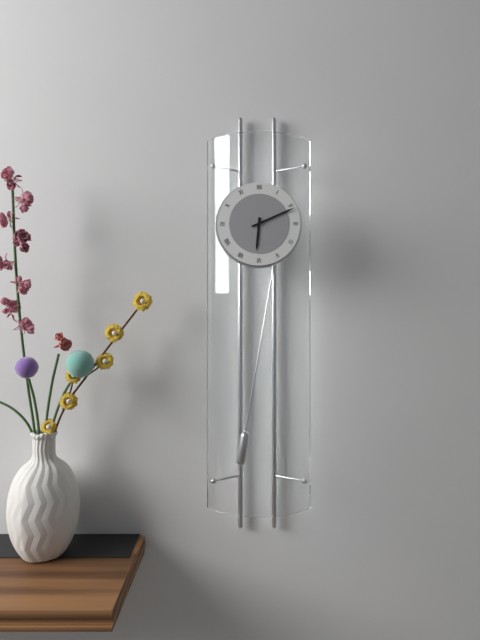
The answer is 6.11
